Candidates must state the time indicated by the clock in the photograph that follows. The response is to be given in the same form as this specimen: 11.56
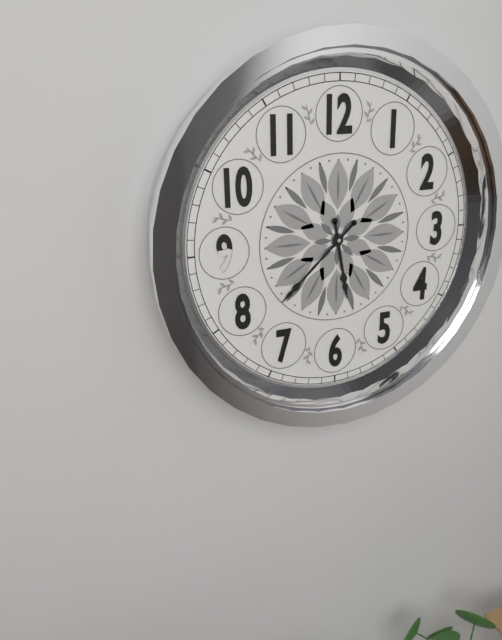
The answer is 5.38
